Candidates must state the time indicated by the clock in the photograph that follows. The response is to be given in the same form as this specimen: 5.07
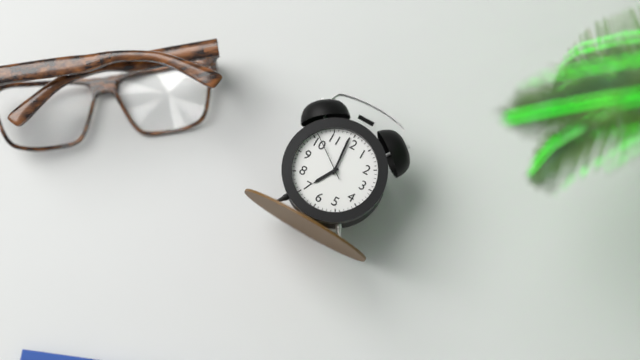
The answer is 6.59
